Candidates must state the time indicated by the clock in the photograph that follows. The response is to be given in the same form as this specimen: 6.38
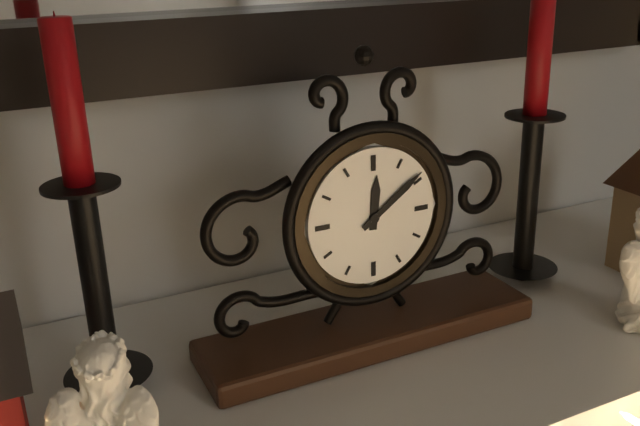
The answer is 12.09
